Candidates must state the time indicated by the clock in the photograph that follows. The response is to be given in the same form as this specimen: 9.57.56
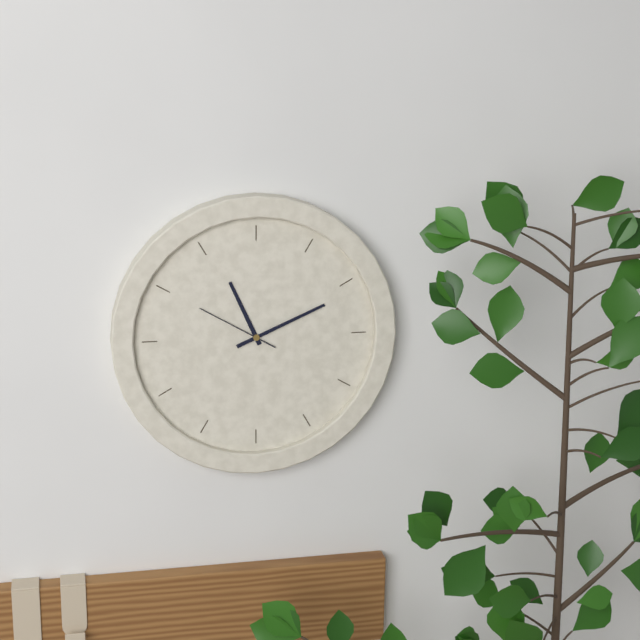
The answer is 11.11.50
